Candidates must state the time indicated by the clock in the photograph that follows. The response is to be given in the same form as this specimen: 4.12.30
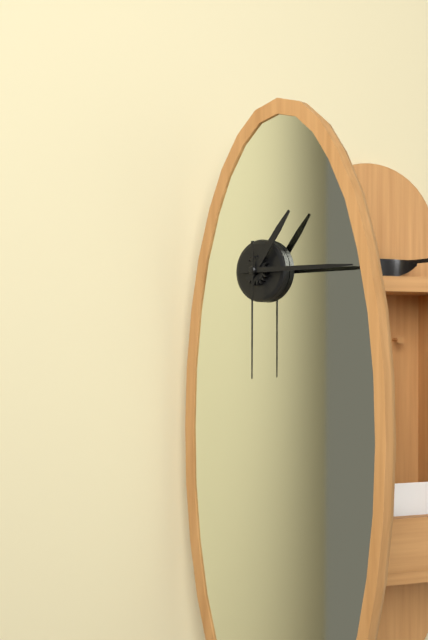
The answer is 1.15.30
